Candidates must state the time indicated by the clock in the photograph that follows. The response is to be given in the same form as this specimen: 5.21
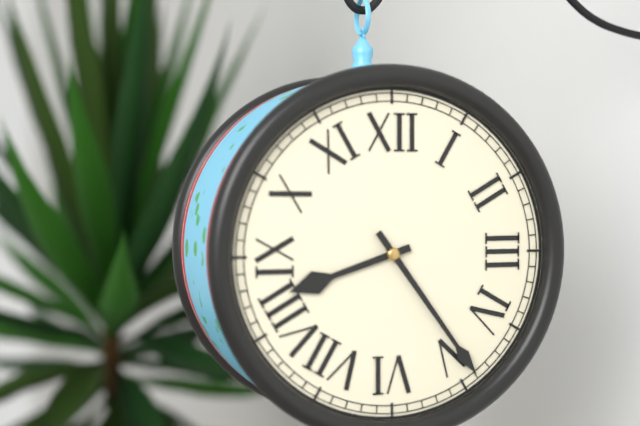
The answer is 8.24
